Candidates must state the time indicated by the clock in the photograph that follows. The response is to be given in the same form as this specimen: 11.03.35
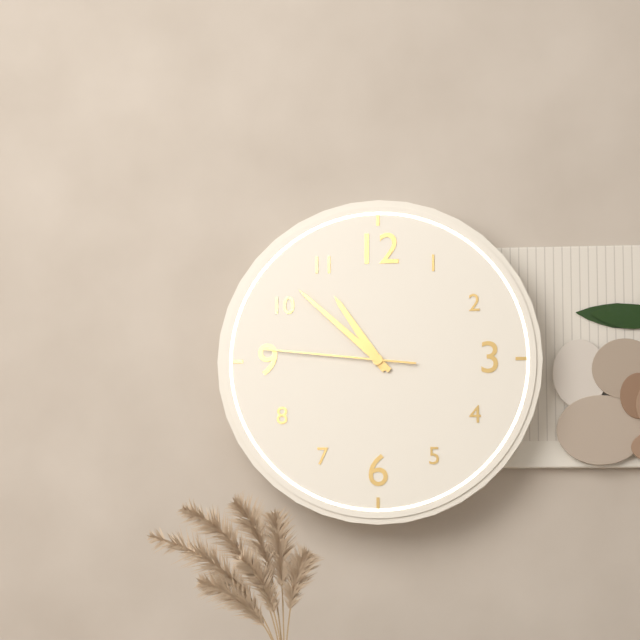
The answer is 10.52.46
